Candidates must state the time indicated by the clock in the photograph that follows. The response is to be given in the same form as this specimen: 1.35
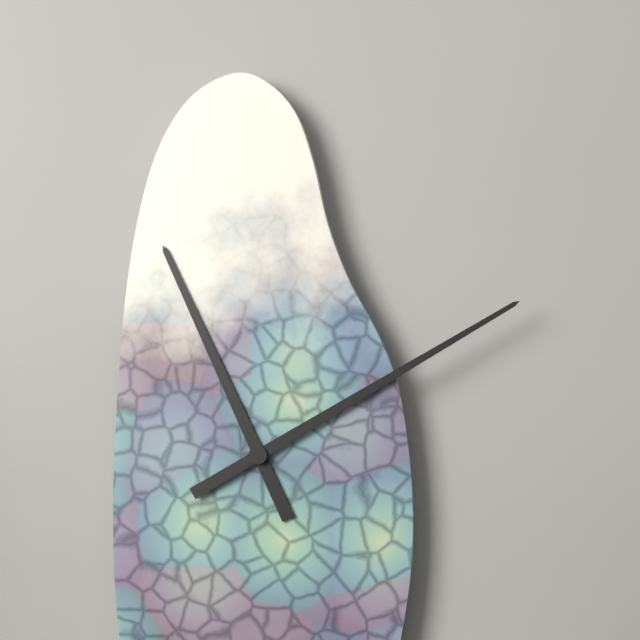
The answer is 11.10
